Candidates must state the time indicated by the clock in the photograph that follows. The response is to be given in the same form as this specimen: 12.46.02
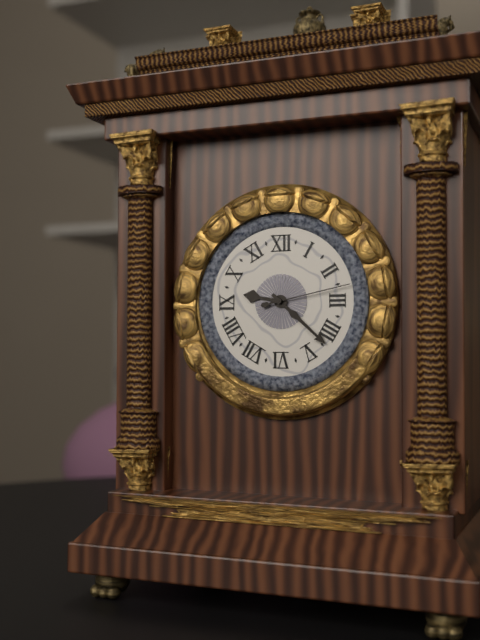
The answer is 9.22.13
